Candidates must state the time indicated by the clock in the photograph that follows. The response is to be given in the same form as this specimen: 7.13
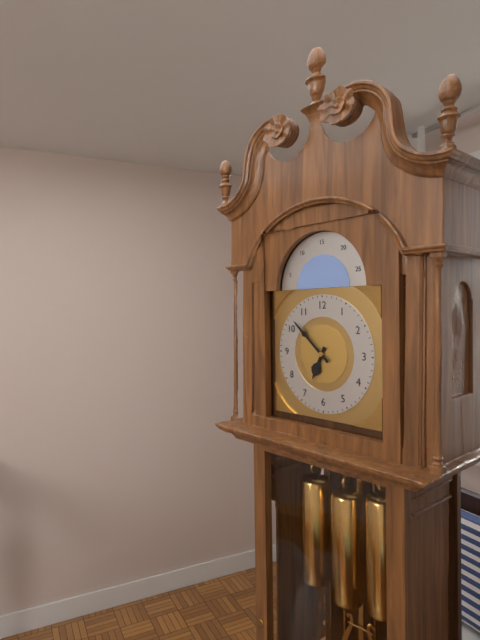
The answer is 6.52
